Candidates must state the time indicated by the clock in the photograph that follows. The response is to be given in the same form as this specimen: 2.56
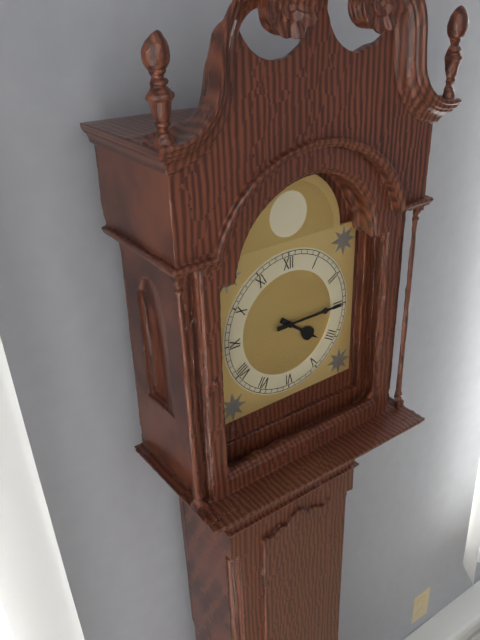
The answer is 4.15
